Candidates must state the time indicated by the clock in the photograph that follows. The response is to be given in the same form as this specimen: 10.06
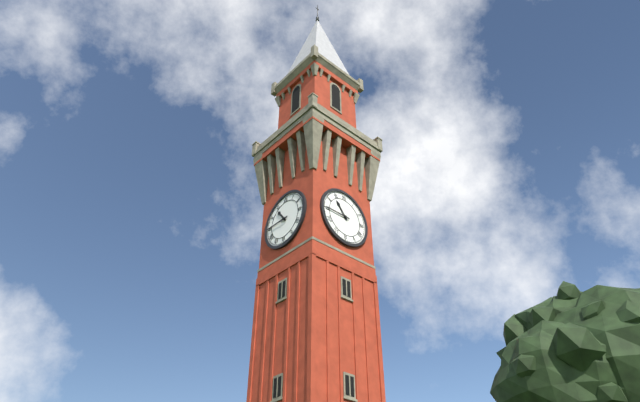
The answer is 10.45
